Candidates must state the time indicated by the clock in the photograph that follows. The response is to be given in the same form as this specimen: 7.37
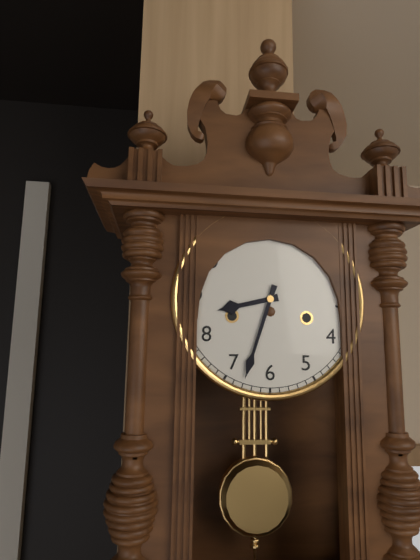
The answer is 8.33
